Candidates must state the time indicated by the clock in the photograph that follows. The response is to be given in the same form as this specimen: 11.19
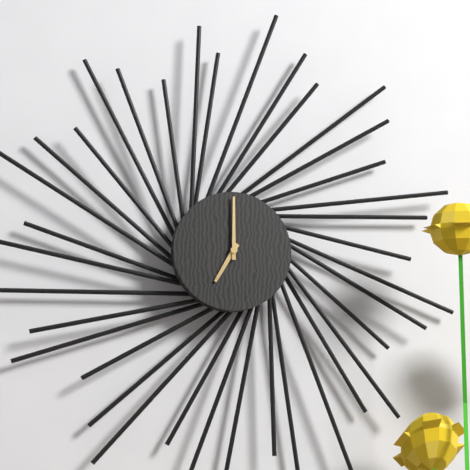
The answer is 7.00
